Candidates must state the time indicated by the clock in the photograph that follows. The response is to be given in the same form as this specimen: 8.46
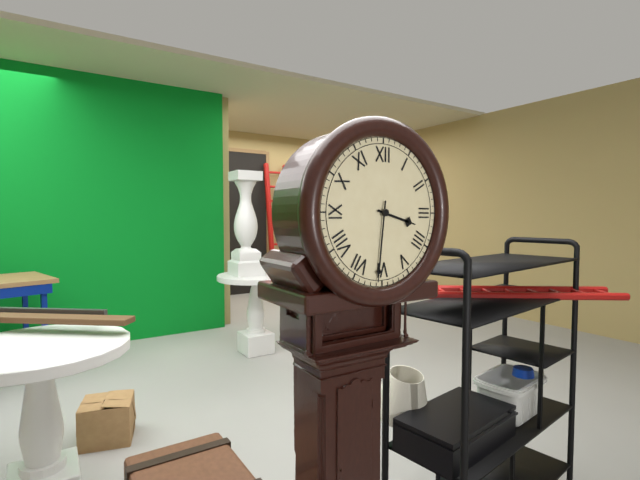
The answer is 3.31
